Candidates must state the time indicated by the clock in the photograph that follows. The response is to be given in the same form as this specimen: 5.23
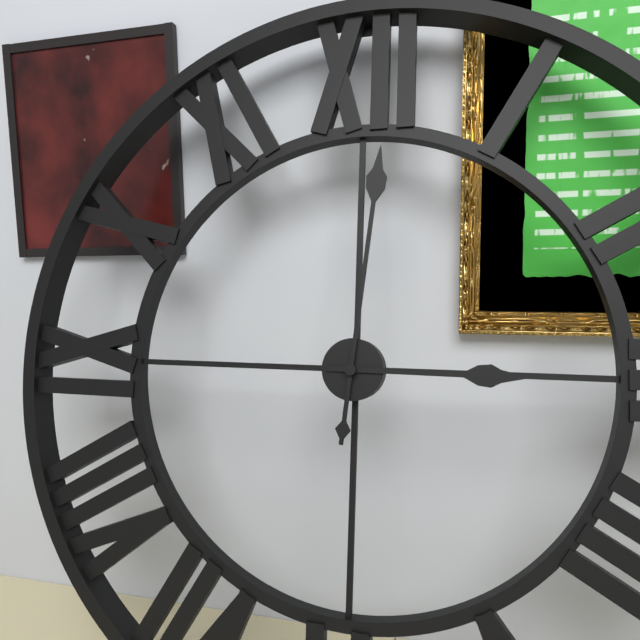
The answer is 3.01
